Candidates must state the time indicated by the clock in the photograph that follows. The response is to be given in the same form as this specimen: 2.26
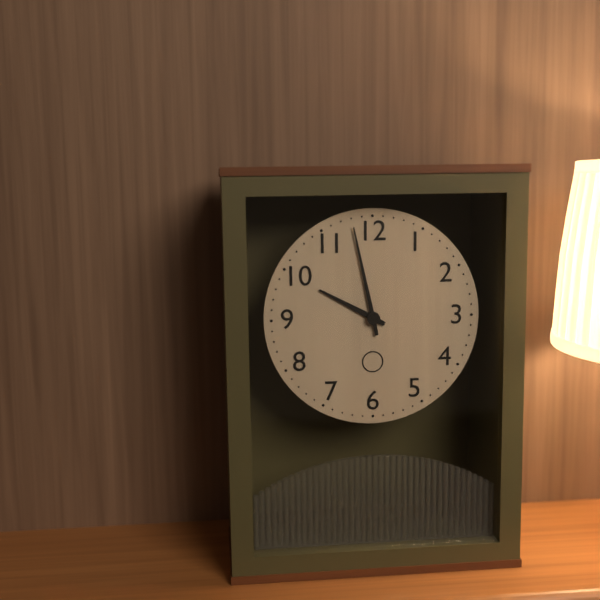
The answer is 9.58
